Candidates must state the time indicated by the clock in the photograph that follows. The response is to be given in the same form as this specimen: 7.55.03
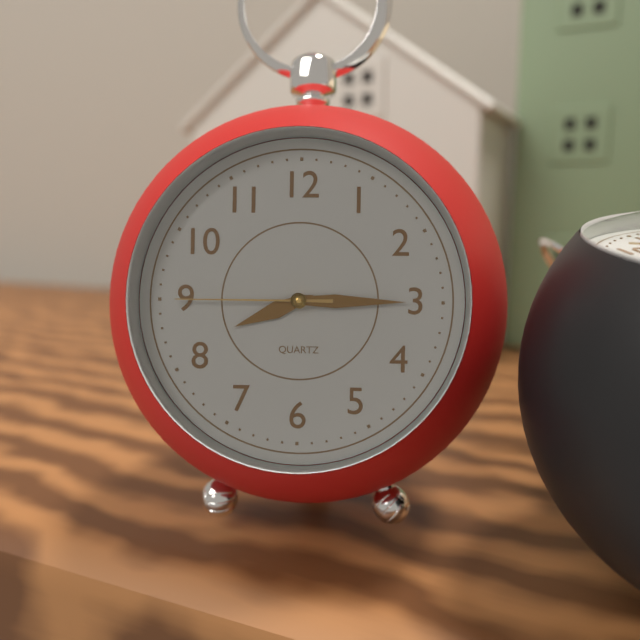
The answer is 8.15.45
